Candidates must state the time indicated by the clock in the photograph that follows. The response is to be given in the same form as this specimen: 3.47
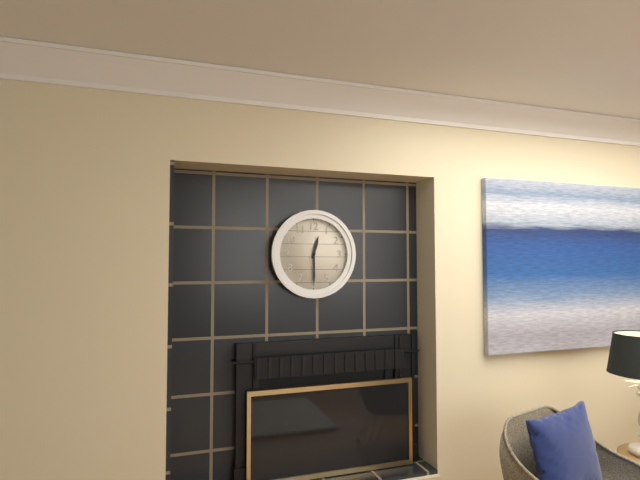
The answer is 12.30
